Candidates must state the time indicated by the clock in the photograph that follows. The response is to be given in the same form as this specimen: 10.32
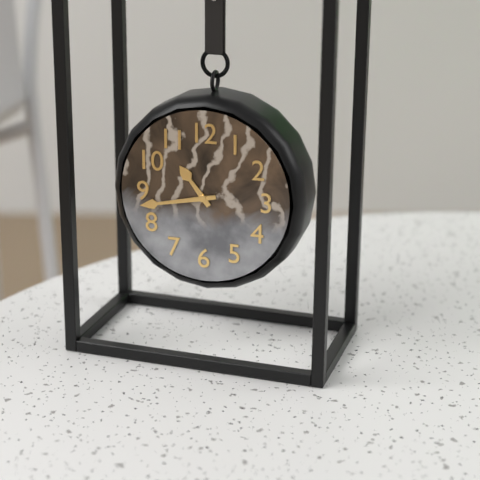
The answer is 10.43
